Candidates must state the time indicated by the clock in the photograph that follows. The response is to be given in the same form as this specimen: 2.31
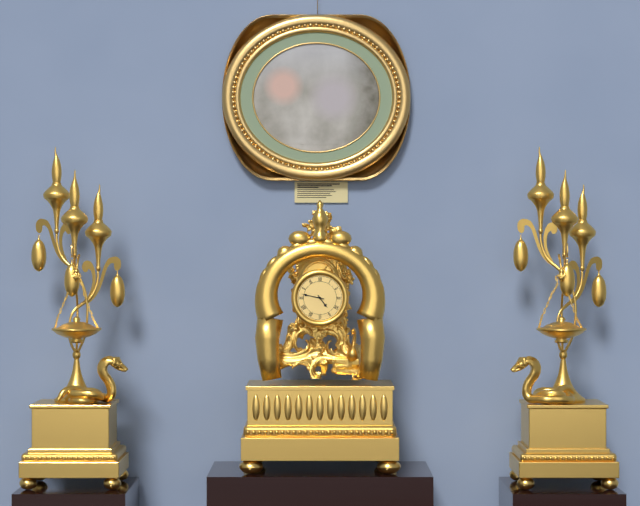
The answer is 4.47
